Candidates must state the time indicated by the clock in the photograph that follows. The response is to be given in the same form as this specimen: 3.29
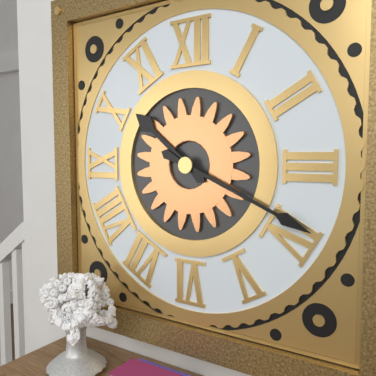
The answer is 10.19
